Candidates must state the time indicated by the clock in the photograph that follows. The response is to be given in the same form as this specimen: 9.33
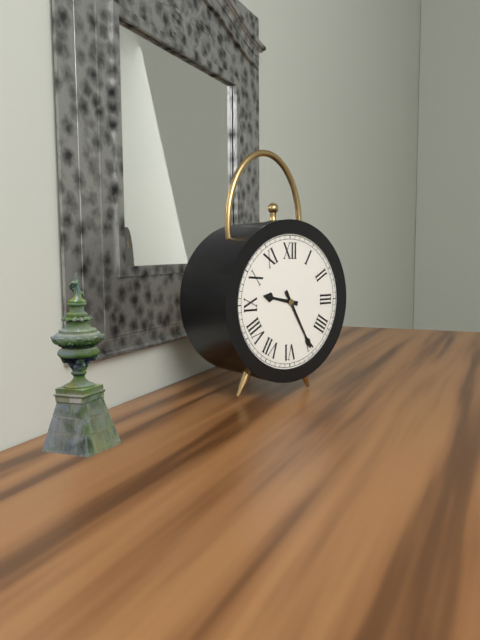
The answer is 9.25
